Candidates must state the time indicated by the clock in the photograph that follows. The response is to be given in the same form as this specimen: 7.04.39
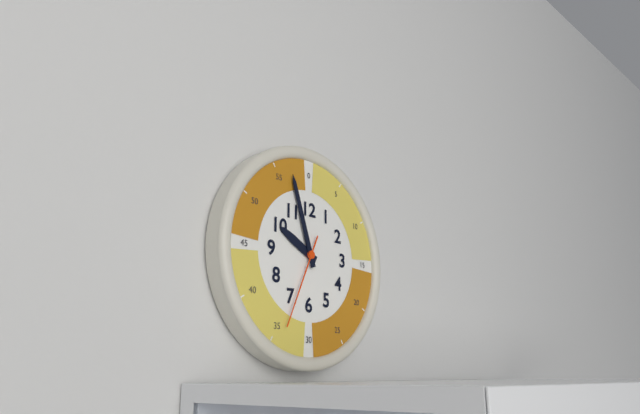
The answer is 9.57.34
